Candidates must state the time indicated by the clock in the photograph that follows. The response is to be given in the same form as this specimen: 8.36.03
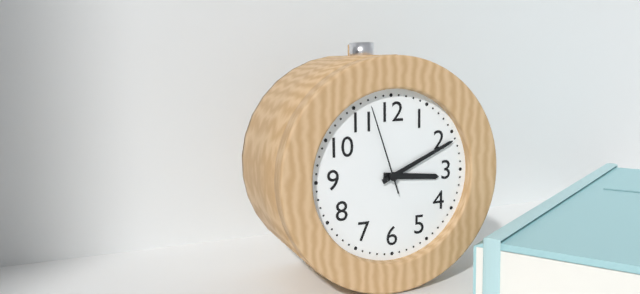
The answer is 3.11.57
